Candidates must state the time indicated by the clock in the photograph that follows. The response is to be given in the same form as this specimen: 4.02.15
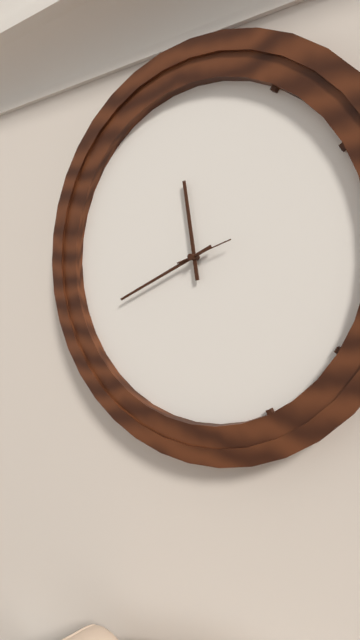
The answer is 11.41.12
